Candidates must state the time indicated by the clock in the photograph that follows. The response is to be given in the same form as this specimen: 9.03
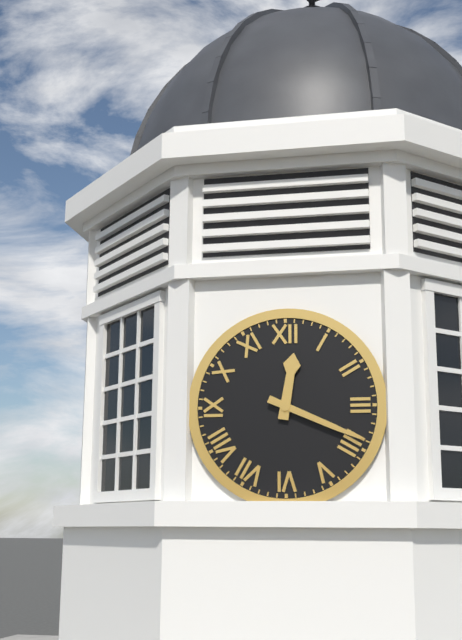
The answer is 12.19
